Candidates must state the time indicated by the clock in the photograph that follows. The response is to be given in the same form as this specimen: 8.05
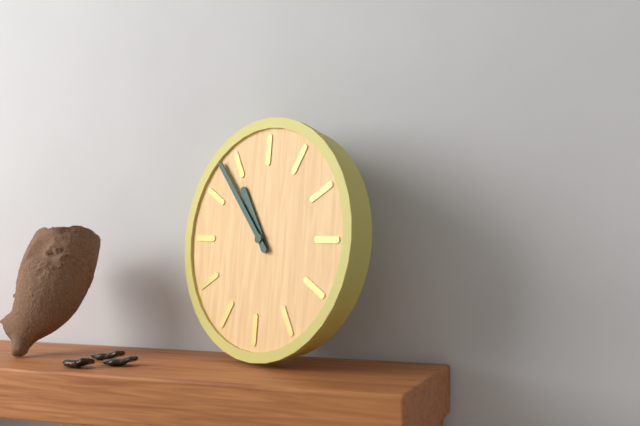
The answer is 10.53
